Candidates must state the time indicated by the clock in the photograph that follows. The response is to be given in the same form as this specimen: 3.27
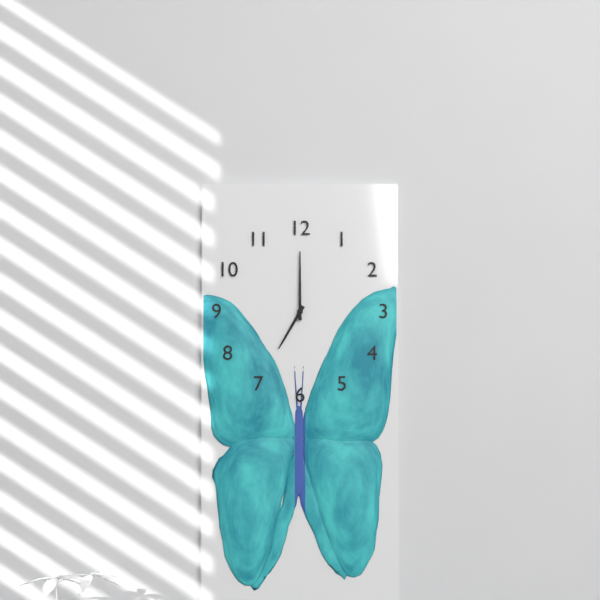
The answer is 7.00
